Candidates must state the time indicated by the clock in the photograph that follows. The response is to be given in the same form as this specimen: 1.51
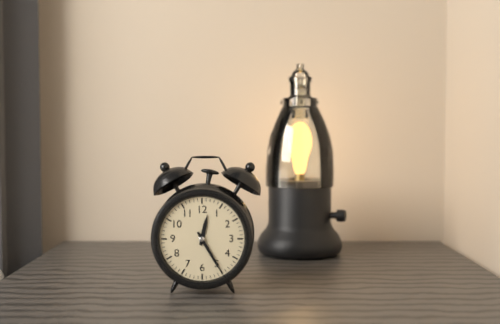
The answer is 12.25
